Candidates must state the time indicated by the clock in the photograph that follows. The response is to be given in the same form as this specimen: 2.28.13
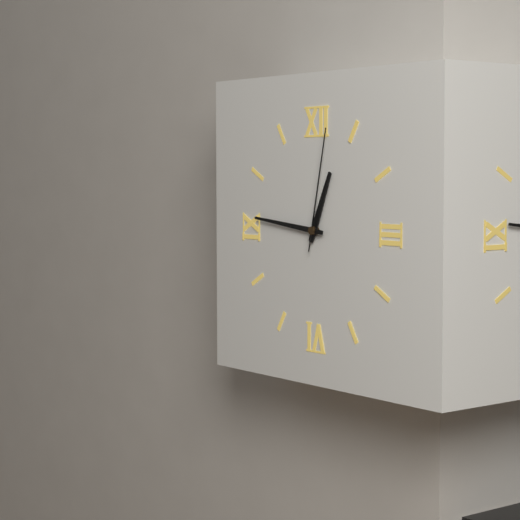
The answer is 12.46.02
